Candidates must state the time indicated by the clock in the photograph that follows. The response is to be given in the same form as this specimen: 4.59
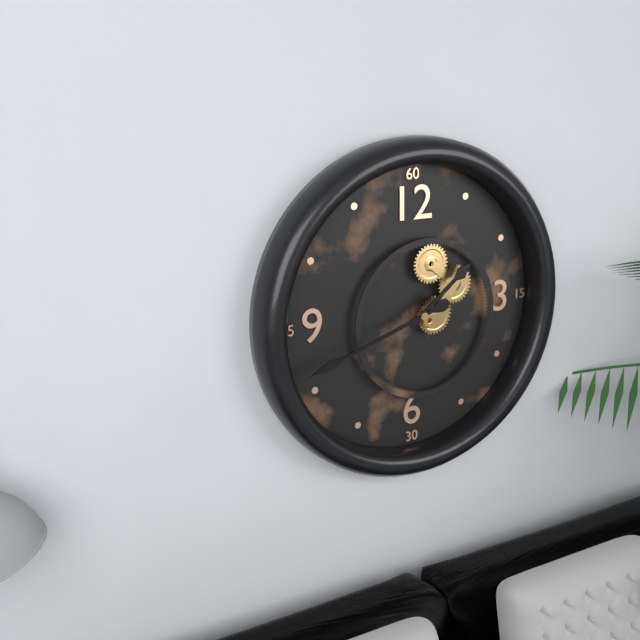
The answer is 1.42
